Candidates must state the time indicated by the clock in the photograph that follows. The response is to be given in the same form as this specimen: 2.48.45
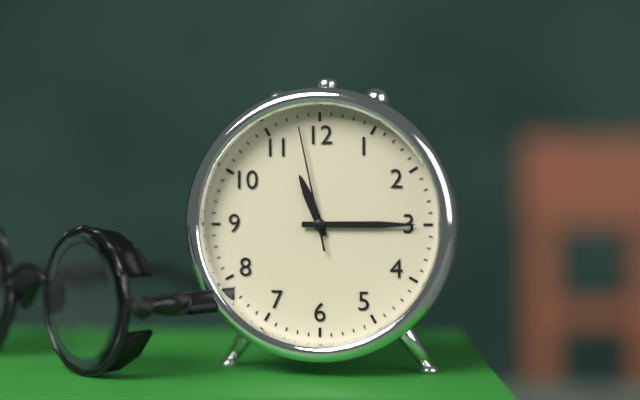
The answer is 11.15.58
